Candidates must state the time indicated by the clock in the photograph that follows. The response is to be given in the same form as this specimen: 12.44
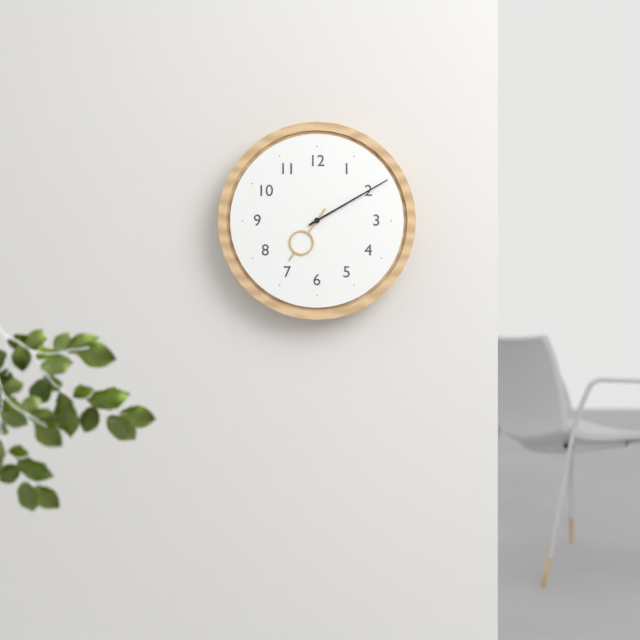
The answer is 7.10
